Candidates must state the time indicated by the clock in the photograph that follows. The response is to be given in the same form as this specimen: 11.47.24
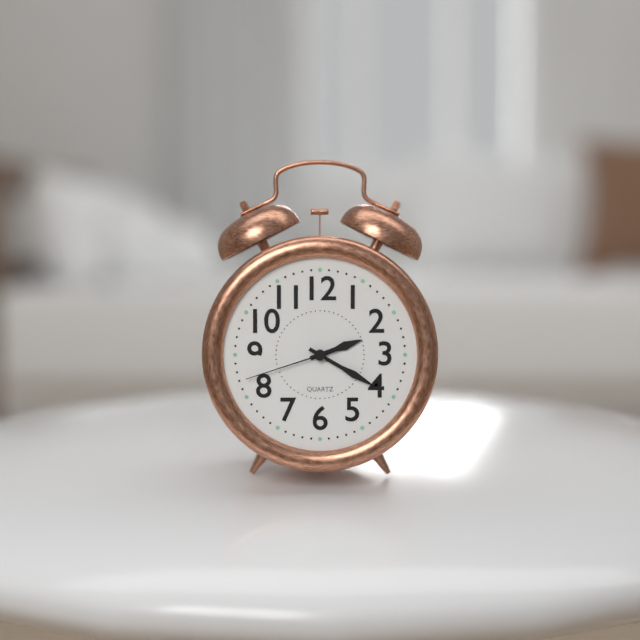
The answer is 2.20.42
